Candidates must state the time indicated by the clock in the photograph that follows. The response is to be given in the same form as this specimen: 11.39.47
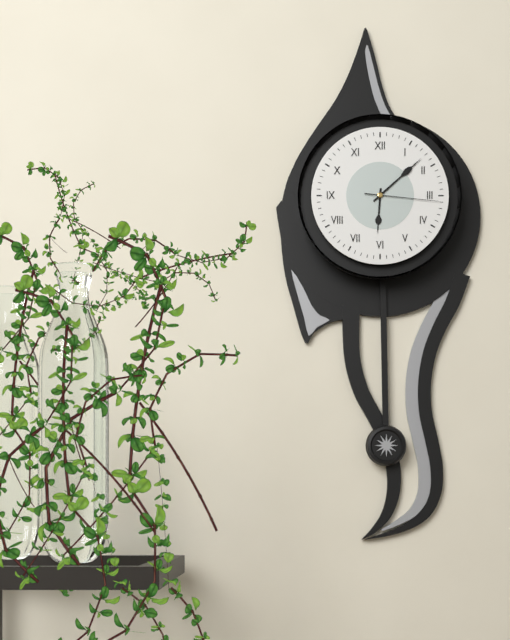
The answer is 6.08.16
